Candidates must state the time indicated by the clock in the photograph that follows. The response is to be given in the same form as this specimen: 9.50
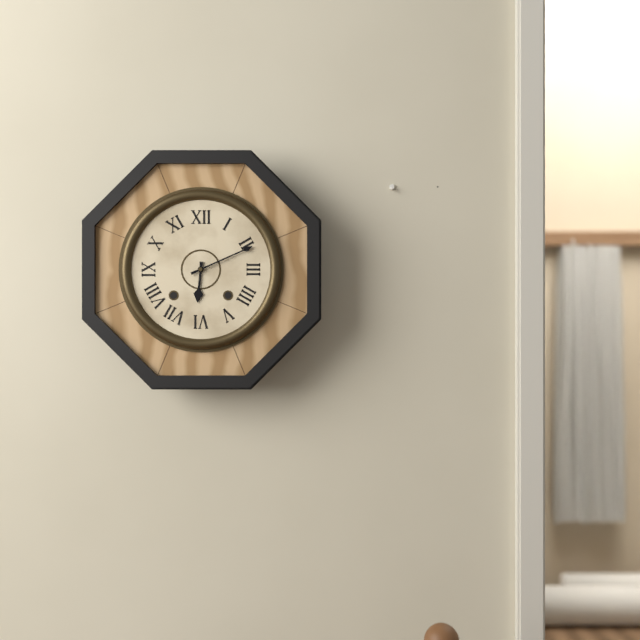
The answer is 6.11
